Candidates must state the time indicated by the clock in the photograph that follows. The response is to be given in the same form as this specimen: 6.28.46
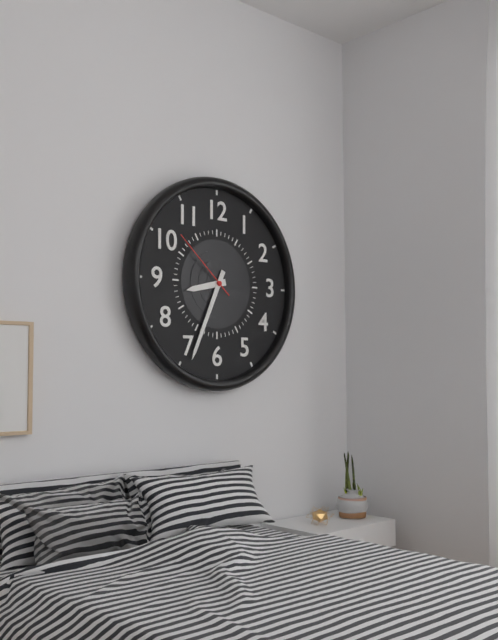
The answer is 8.34.52
